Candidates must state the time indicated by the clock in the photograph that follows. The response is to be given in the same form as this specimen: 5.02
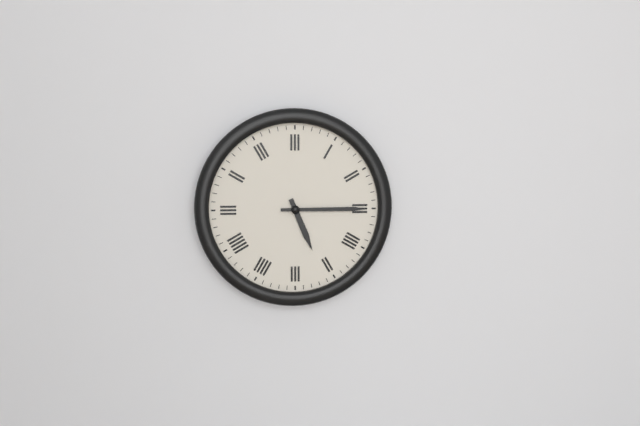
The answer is 5.15
